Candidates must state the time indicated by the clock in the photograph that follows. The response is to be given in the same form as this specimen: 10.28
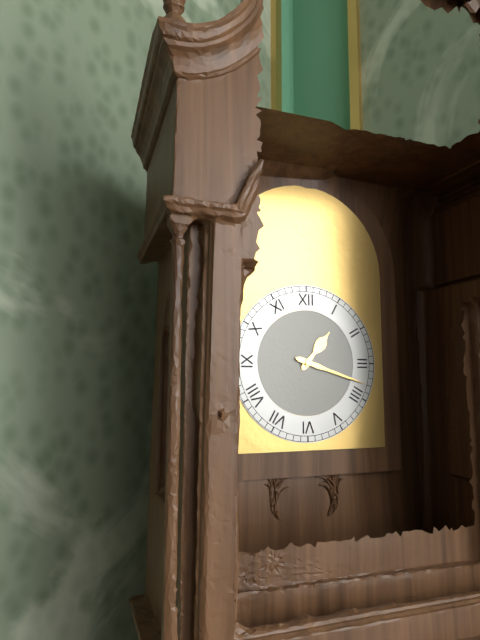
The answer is 1.18
